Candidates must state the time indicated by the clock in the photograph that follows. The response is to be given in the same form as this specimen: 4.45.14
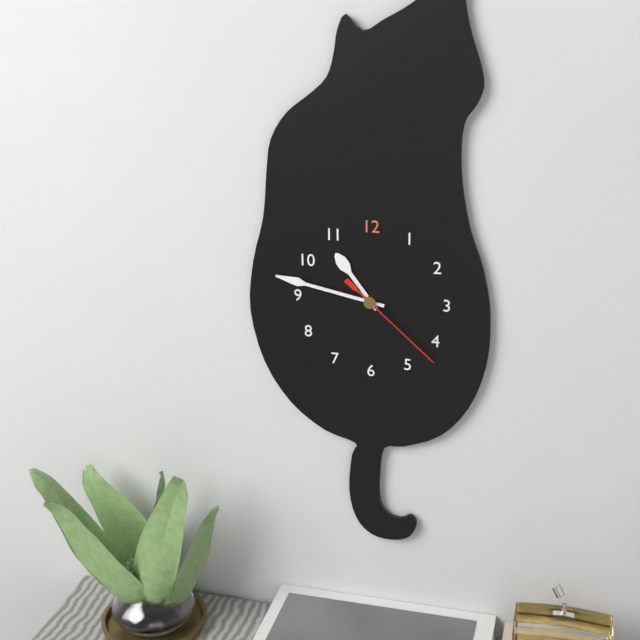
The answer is 10.47.22
